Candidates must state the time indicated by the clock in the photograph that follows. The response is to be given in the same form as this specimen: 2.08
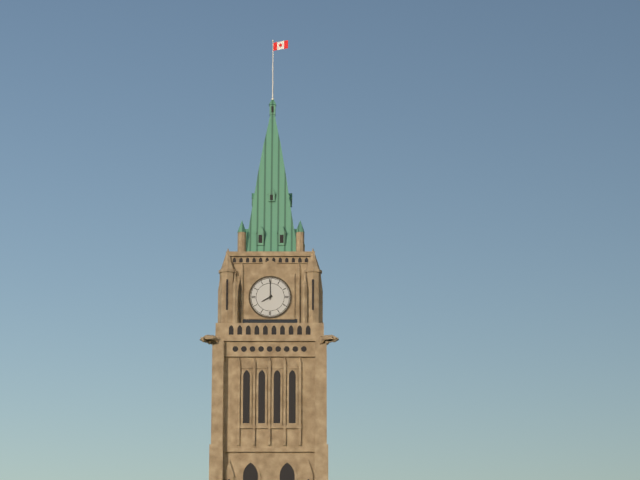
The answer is 8.00
